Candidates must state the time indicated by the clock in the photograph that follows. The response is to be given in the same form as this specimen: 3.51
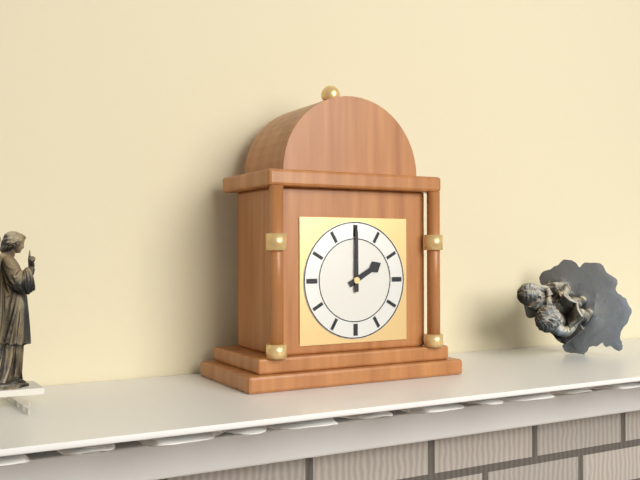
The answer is 2.00
